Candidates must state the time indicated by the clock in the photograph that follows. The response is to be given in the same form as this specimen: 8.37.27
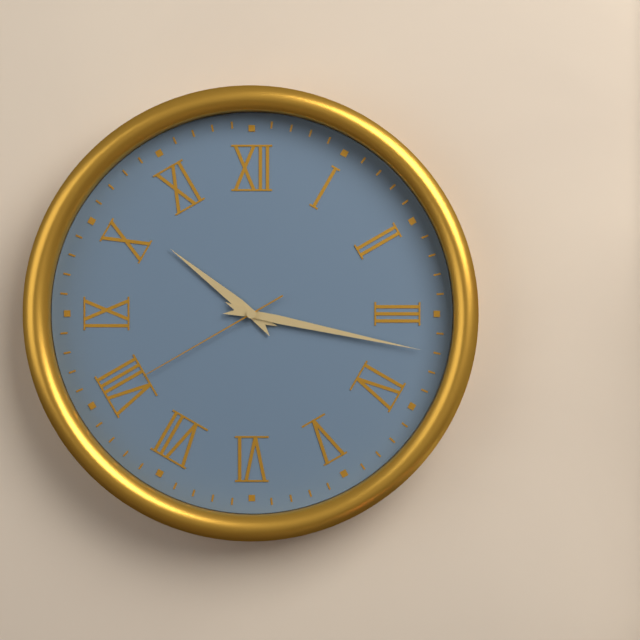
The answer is 10.17.40
